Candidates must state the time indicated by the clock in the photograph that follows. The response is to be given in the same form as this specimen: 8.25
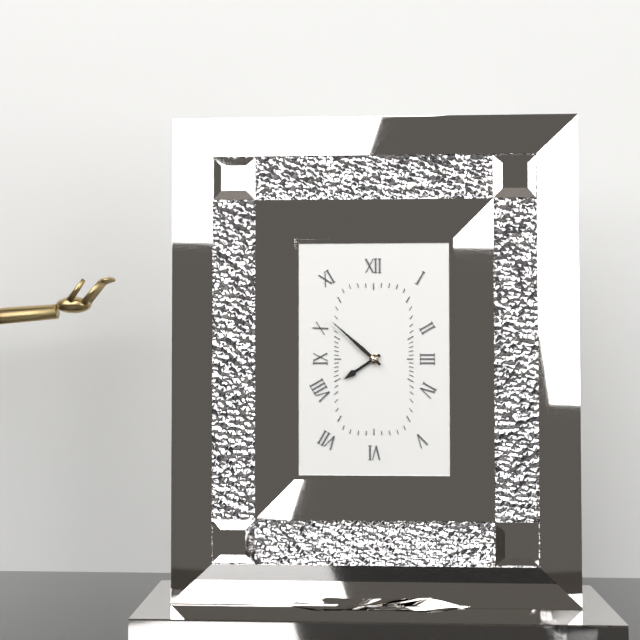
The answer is 7.52
